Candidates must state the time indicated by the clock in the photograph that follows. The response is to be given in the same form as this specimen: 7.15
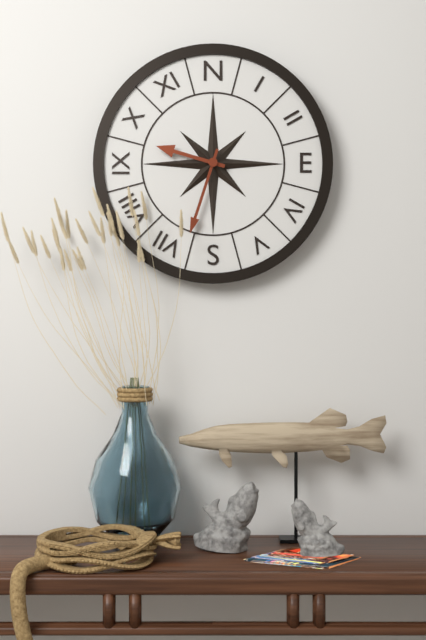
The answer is 9.33
